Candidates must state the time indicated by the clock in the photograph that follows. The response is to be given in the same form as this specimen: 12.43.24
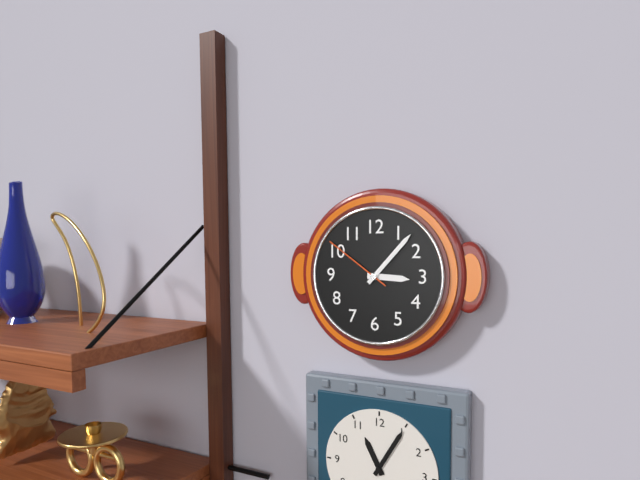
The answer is 3.07.51
